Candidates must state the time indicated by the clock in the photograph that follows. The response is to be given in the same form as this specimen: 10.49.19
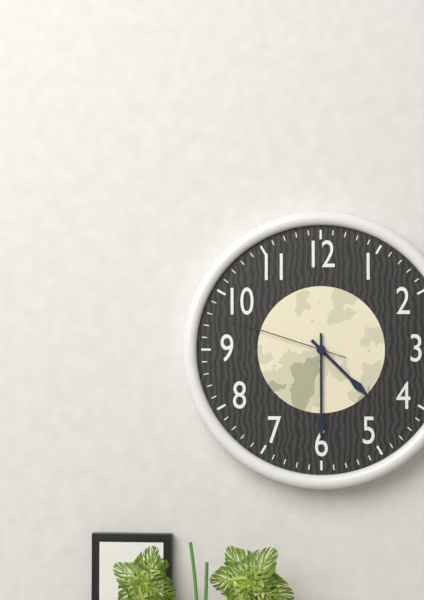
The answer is 4.30.48
